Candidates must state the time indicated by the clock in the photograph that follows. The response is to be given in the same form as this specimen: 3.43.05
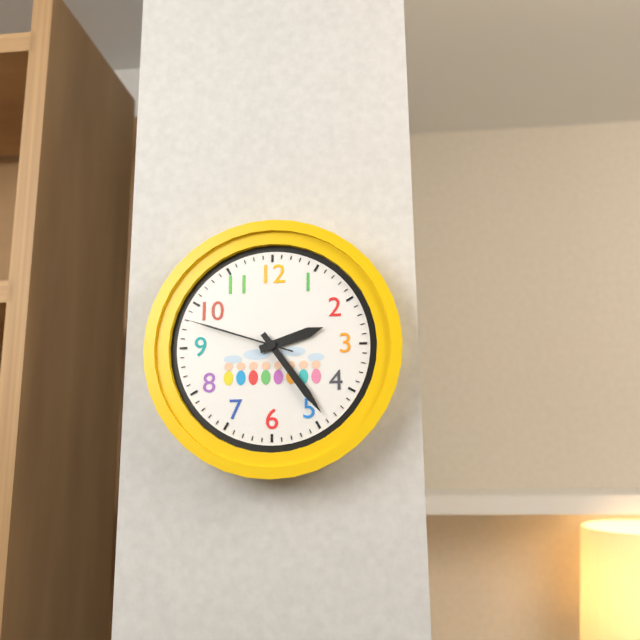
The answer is 2.24.48
